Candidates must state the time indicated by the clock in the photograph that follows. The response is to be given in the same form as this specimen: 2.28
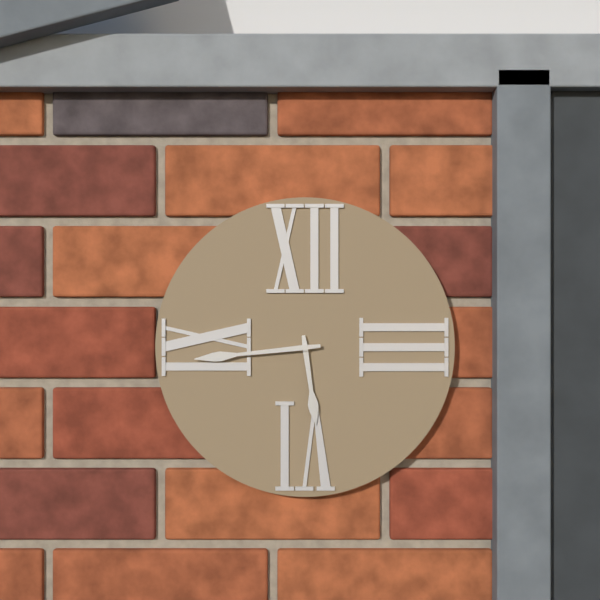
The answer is 5.44
